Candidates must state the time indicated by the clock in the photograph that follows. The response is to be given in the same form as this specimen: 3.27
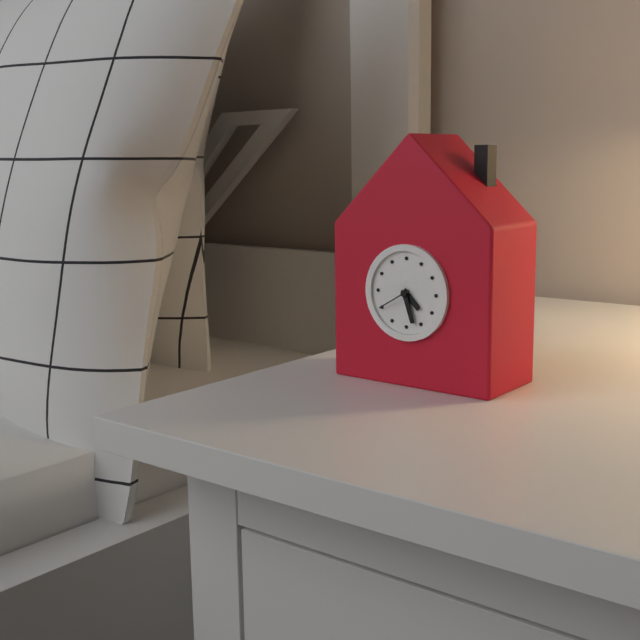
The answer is 4.27
